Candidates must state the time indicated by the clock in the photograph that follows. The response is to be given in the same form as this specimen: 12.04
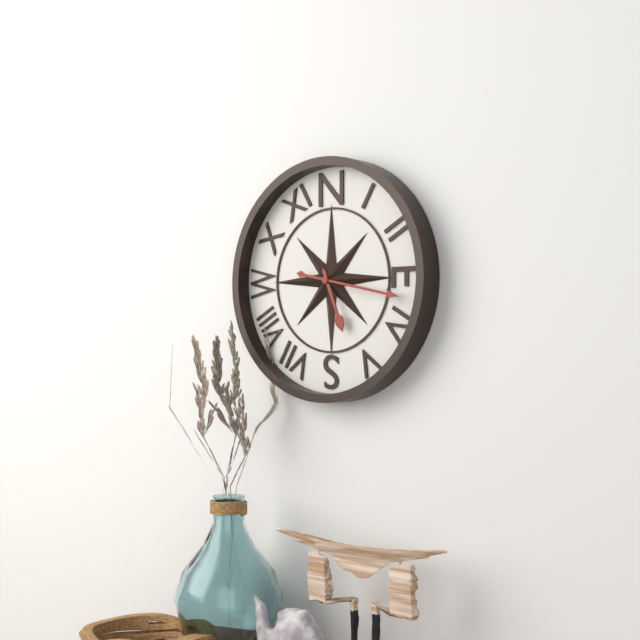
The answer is 5.17
